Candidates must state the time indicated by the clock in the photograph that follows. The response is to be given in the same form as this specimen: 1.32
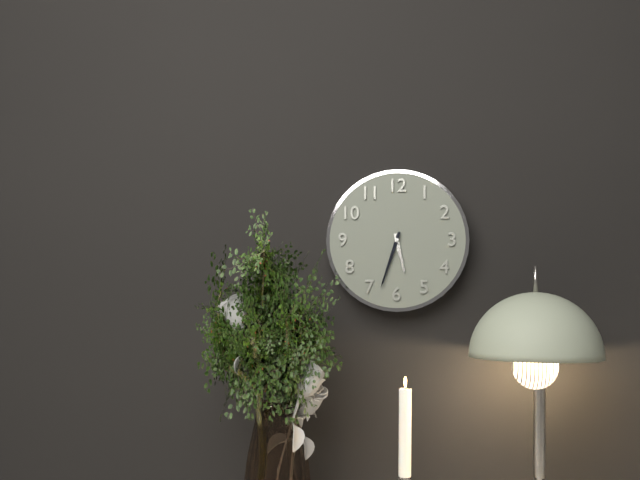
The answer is 5.33
